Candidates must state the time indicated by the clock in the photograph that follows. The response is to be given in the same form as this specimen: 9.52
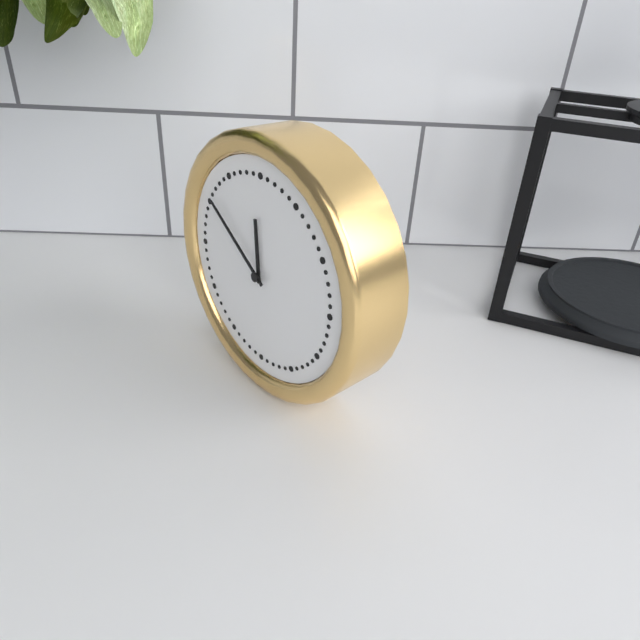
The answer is 11.51
